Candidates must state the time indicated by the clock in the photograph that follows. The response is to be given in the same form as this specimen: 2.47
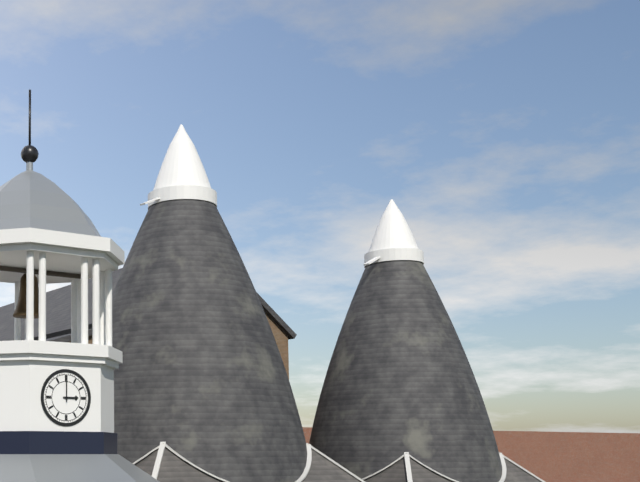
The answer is 3.00
